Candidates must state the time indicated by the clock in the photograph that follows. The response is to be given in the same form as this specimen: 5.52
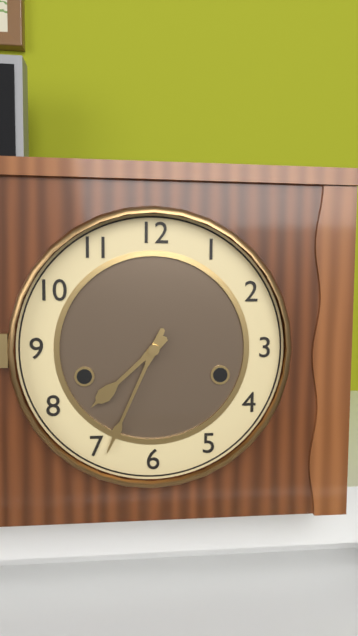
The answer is 7.34
